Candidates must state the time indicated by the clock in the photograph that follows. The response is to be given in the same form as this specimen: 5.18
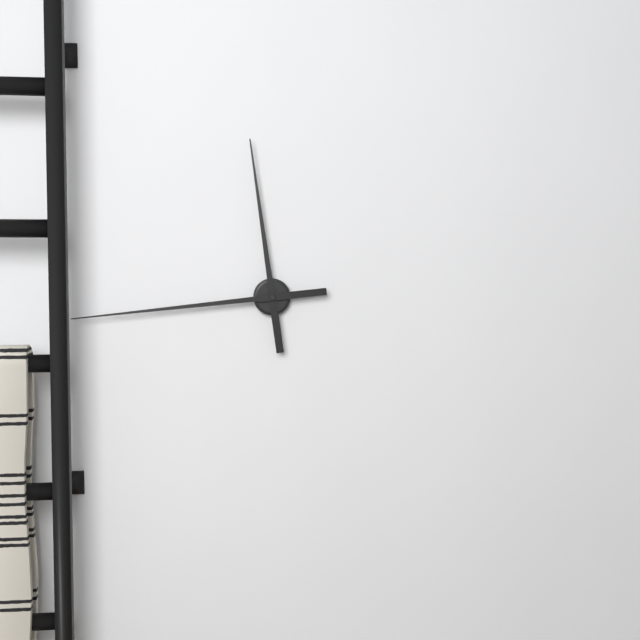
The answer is 11.44
